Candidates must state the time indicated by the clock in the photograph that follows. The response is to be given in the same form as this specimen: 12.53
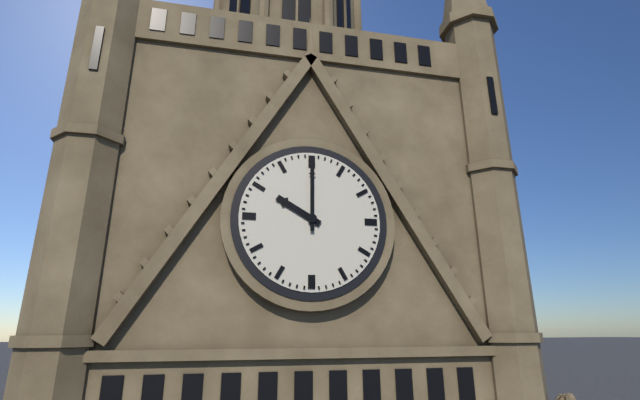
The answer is 10.00
